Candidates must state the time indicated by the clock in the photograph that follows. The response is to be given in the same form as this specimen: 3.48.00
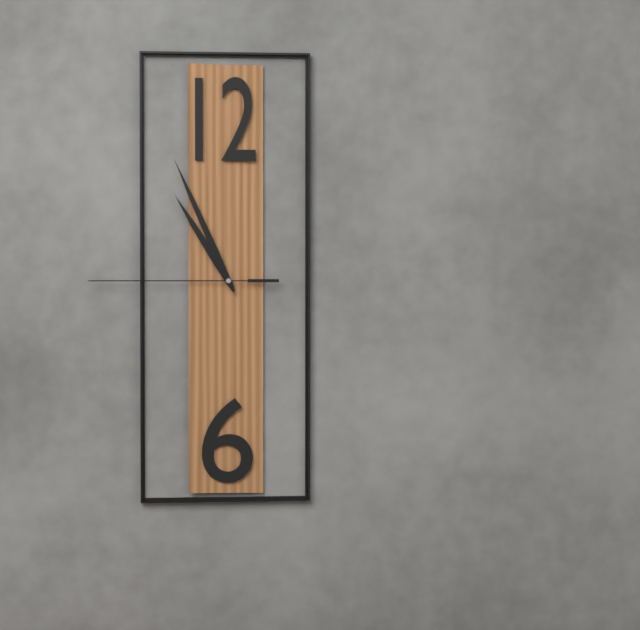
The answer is 10.56.45
